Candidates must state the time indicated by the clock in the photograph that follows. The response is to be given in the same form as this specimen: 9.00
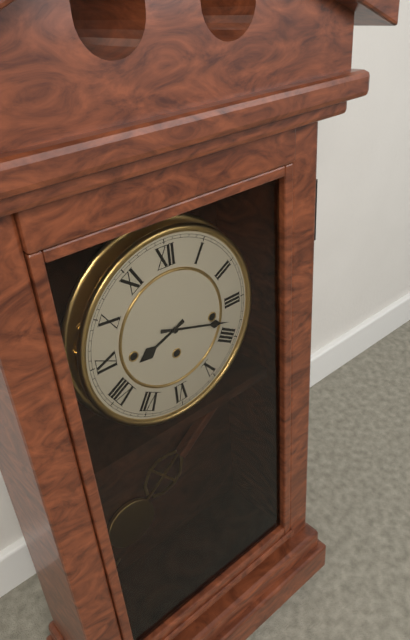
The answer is 8.18
